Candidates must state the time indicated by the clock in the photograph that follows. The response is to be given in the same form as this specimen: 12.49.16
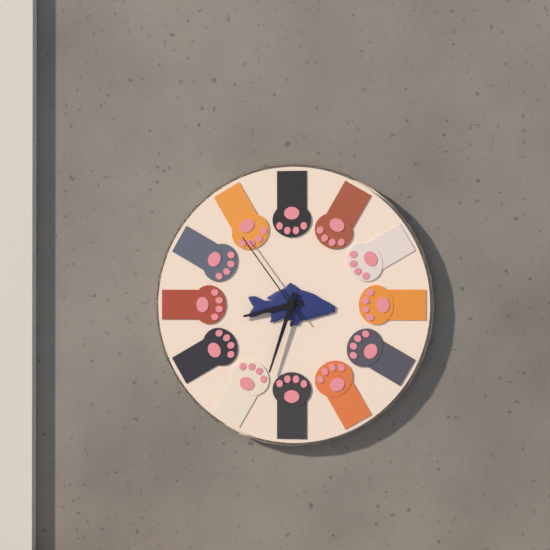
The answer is 8.33.54
